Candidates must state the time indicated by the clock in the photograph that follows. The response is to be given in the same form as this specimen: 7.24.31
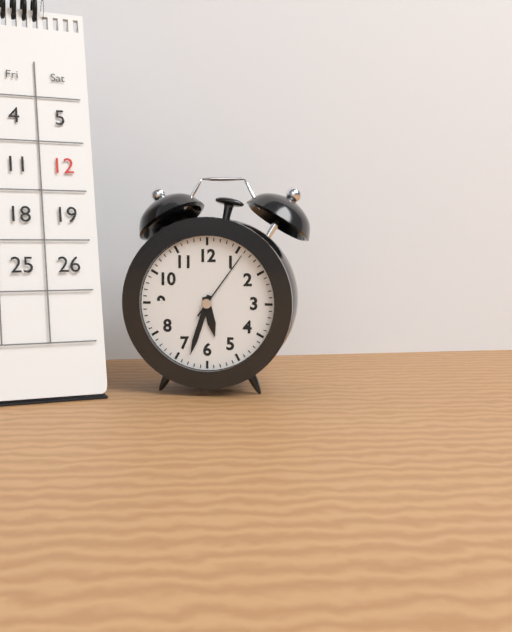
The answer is 5.33.06
